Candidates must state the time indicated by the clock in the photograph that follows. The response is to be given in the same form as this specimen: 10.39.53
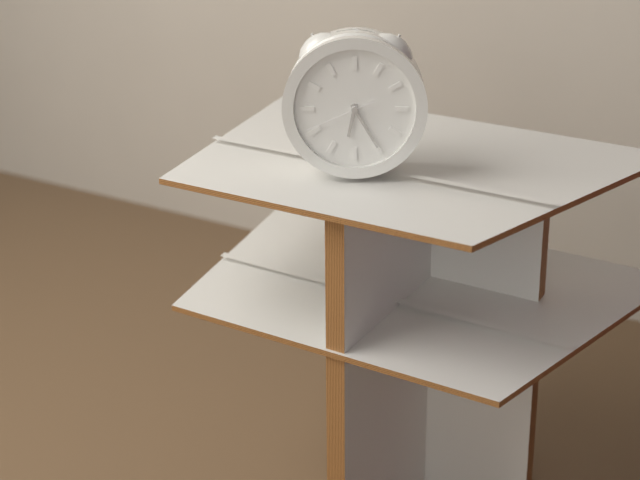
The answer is 6.25.41
